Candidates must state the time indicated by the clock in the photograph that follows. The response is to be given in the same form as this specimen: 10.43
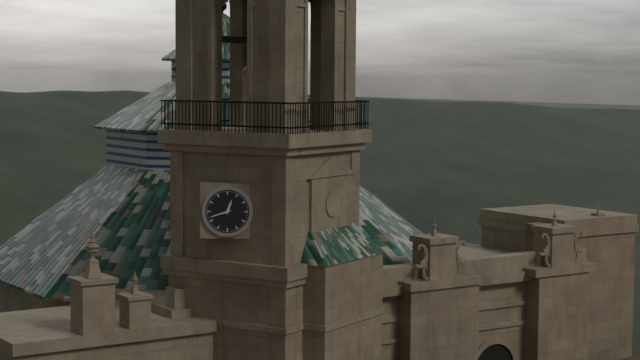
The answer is 12.42
